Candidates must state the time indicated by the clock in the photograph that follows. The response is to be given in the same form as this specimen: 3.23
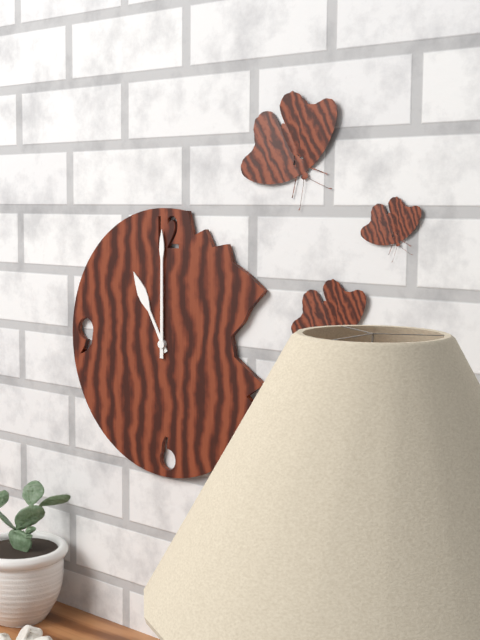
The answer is 11.00
